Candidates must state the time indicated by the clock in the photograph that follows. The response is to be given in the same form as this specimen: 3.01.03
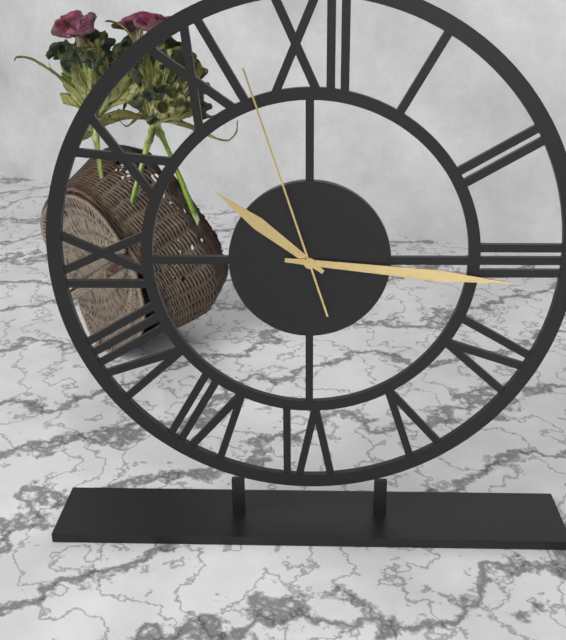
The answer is 10.16.57
